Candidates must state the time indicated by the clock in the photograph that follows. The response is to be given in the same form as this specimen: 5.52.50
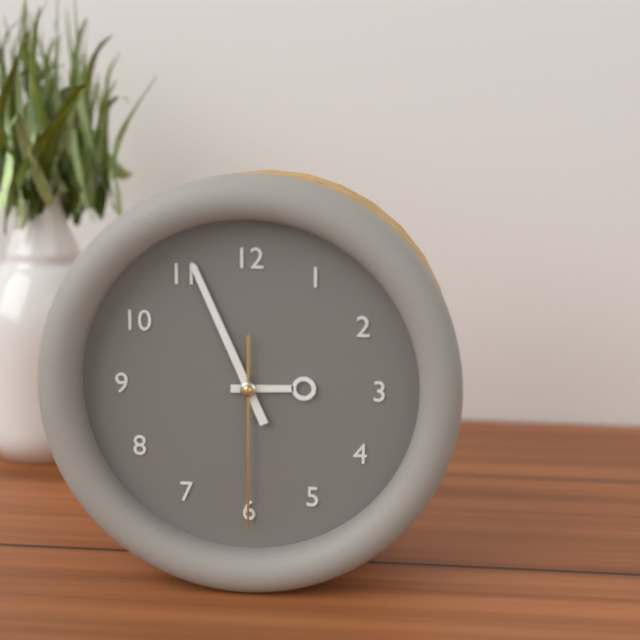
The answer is 2.56.30
